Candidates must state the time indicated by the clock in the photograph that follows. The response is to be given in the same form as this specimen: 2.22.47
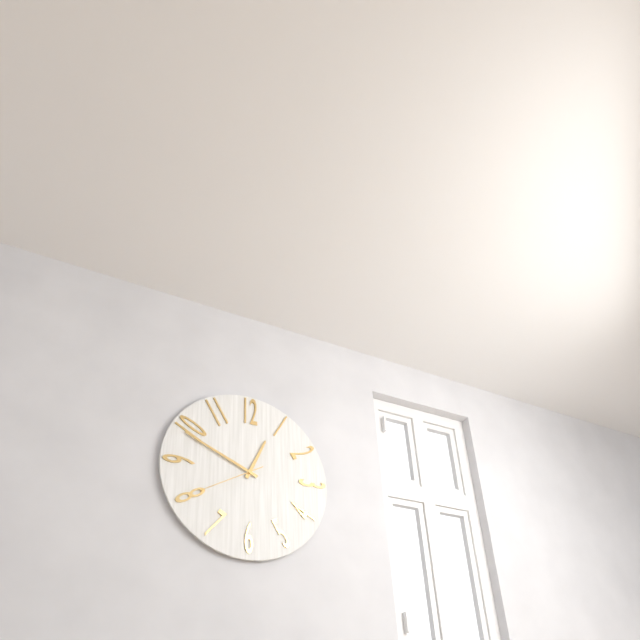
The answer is 12.49.40
